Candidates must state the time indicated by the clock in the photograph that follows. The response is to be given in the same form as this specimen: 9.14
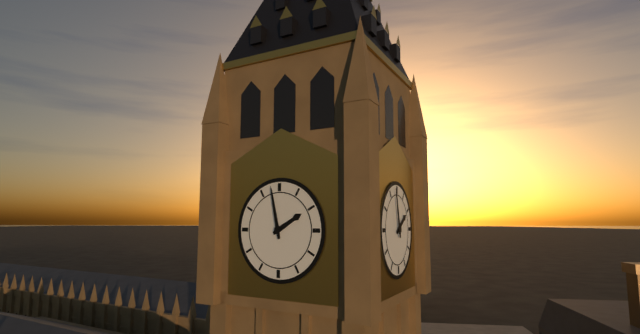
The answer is 1.58
